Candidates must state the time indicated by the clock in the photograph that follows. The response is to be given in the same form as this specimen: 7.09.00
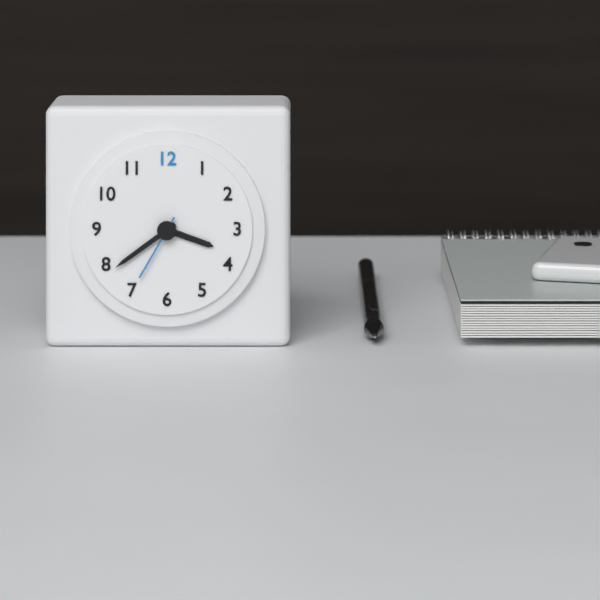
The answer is 3.39.35
